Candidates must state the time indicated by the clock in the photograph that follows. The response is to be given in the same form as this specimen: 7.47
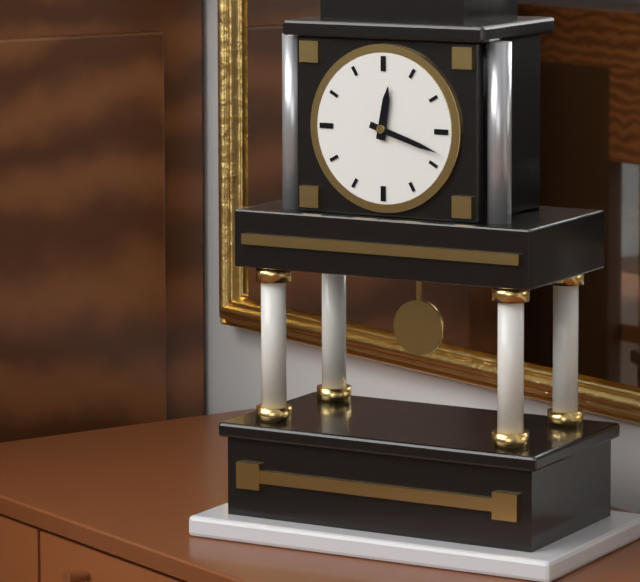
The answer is 12.18
